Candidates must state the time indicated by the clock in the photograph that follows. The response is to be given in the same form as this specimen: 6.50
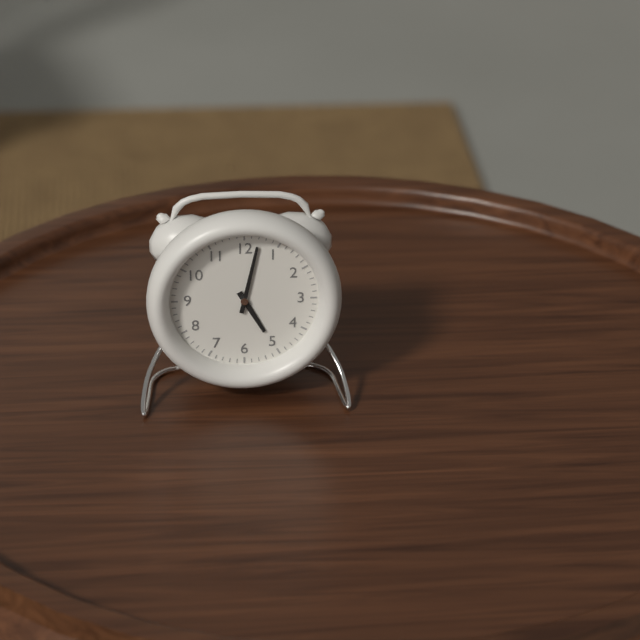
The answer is 5.02
